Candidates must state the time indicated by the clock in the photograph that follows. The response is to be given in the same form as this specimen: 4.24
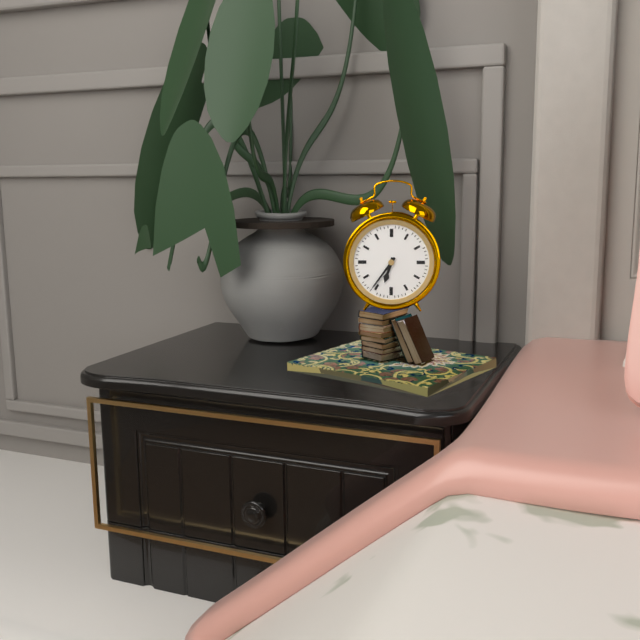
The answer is 6.36
